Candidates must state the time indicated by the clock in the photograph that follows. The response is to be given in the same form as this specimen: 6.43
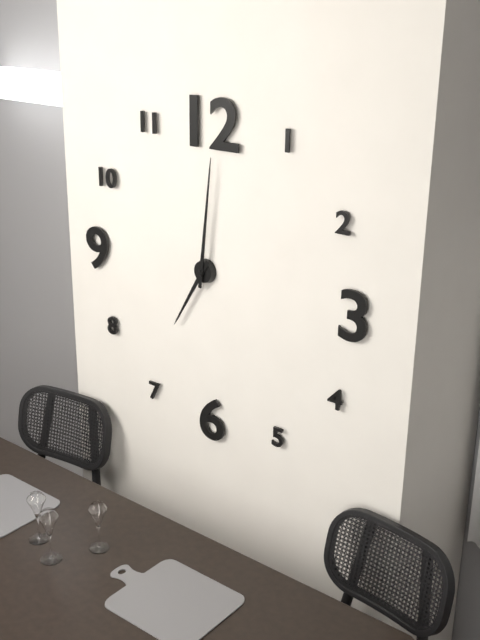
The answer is 7.01
